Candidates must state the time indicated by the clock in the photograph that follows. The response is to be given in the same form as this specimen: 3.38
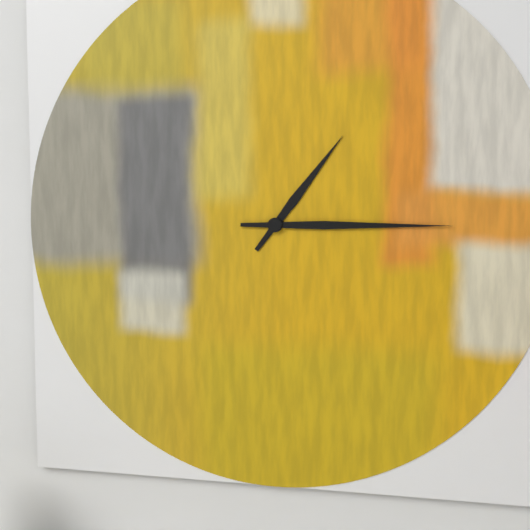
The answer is 1.15
